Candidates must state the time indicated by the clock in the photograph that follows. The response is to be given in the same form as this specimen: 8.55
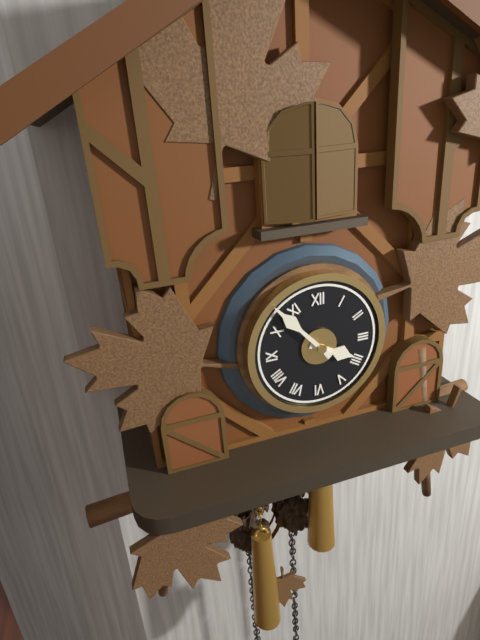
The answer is 3.53
